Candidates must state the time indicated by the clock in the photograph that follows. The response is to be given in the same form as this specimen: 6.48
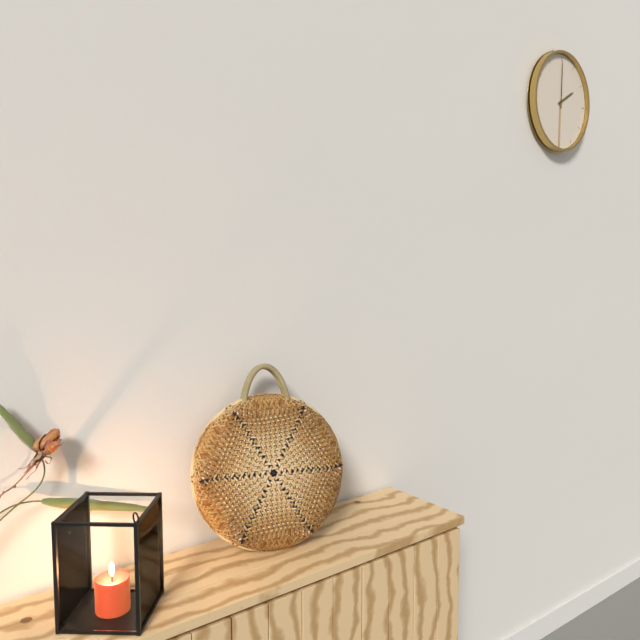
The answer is 2.00
